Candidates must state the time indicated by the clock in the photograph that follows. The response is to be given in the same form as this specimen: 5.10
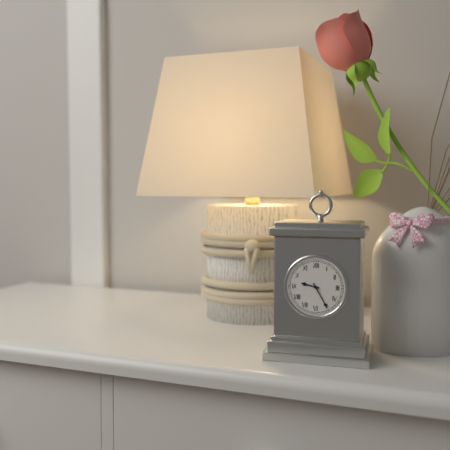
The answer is 9.25
